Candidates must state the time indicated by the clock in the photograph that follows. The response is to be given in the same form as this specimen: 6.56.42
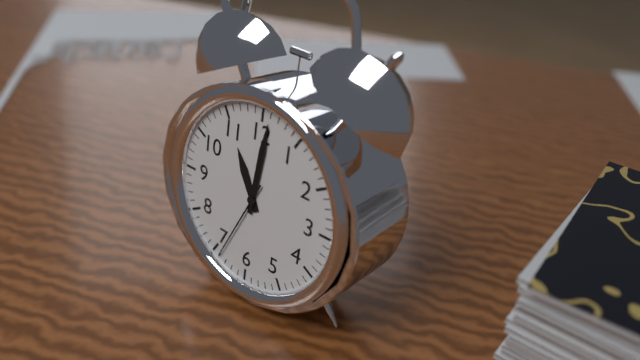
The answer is 11.01.34
